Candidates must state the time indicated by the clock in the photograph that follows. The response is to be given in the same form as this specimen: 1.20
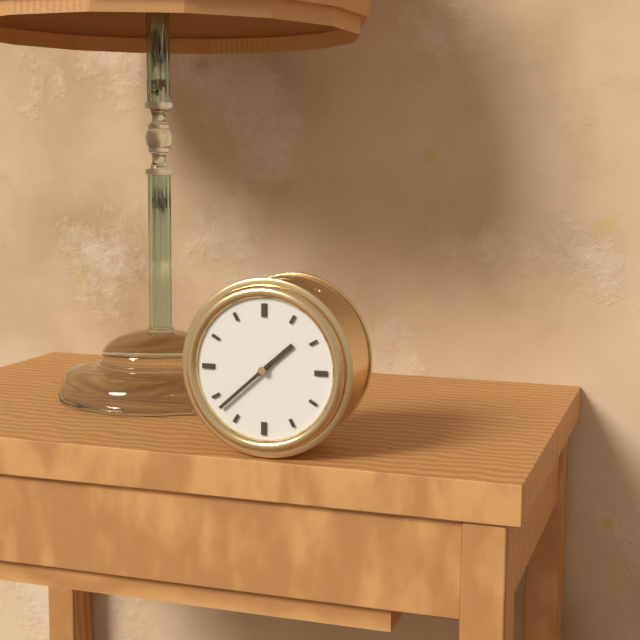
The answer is 1.38
